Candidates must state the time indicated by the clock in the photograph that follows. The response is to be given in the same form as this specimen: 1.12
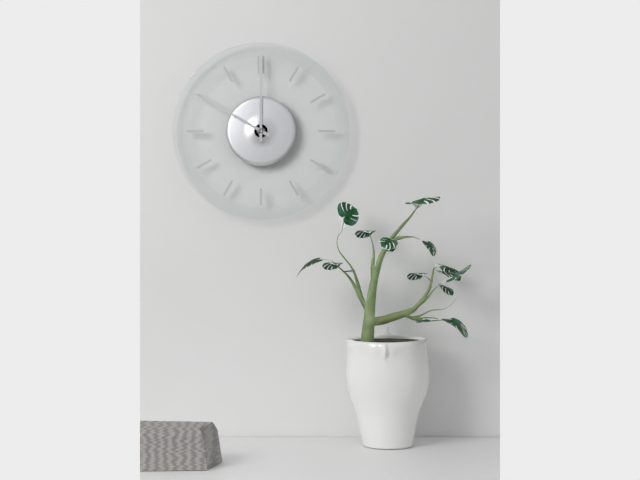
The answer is 10.00
